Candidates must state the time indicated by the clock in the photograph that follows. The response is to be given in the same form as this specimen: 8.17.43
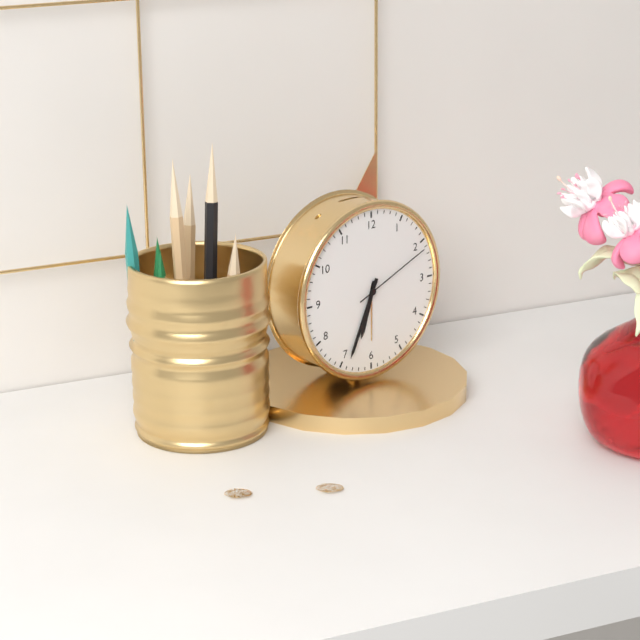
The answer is 6.34.11
